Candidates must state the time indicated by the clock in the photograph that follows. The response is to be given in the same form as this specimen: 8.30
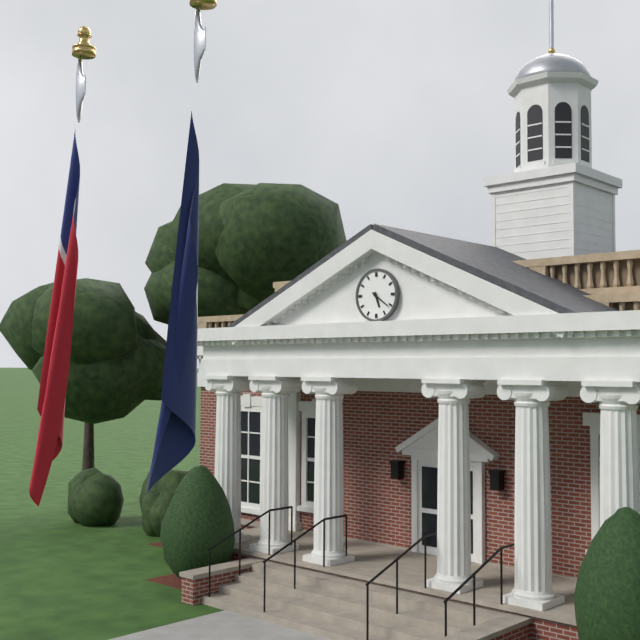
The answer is 5.21
